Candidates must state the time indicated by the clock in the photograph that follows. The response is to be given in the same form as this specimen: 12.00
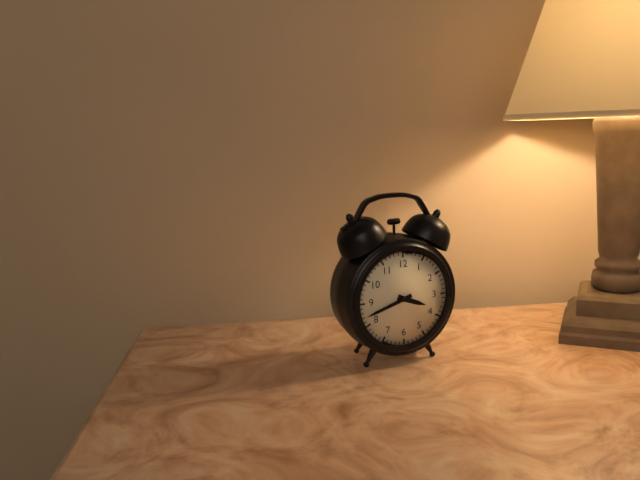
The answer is 3.42
